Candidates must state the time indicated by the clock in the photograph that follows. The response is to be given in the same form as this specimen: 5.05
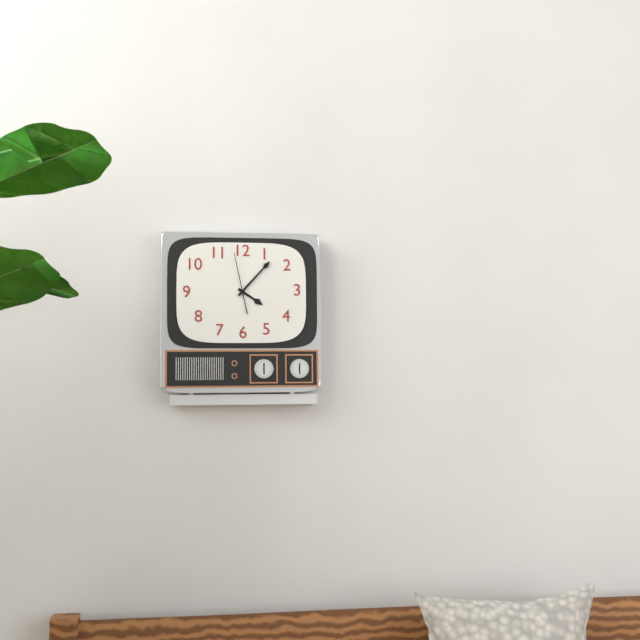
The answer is 4.07
